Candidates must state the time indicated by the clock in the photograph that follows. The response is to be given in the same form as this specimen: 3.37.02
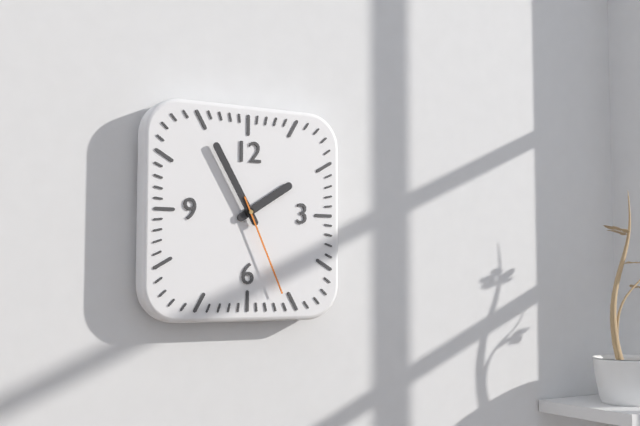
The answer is 1.55.26
